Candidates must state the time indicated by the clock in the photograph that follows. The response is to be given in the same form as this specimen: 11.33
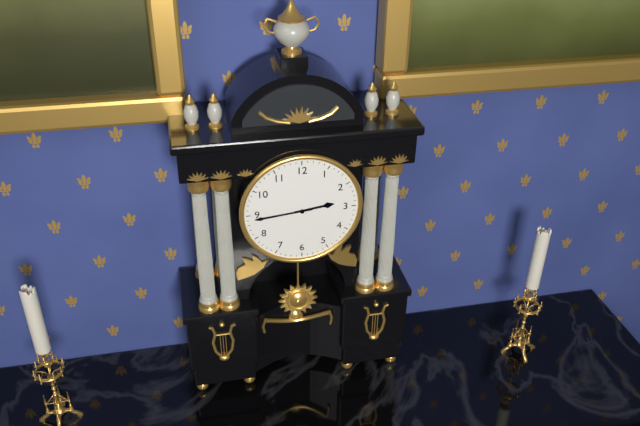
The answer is 2.44
